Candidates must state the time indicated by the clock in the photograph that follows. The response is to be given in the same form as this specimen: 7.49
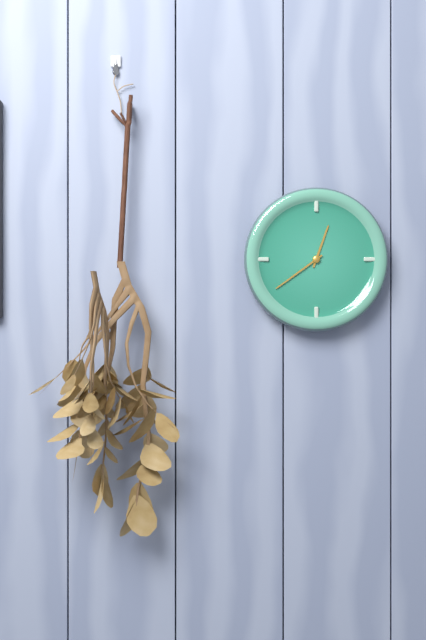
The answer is 12.39
